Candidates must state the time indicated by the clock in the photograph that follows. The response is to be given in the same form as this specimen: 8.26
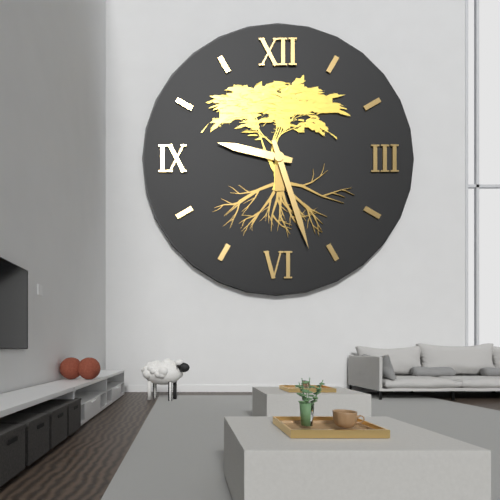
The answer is 9.27
